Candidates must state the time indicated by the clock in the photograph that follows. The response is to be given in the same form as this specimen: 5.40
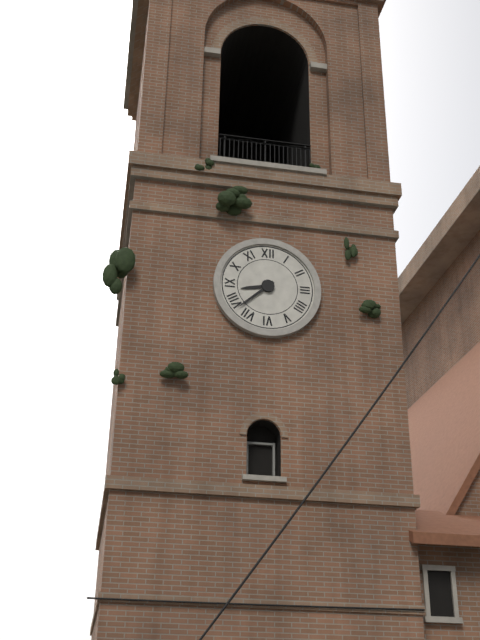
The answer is 8.38
